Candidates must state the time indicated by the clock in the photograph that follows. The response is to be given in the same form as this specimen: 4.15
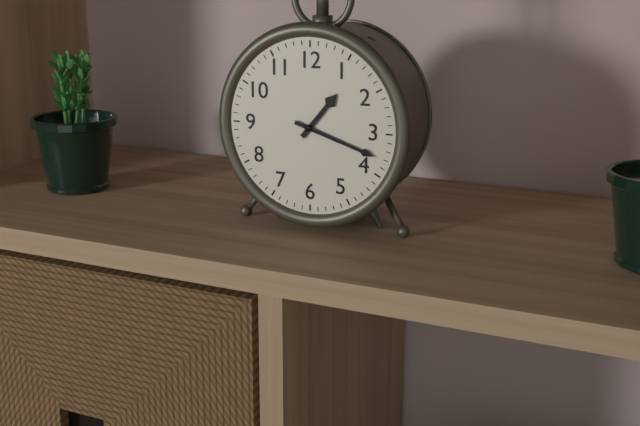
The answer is 1.18
